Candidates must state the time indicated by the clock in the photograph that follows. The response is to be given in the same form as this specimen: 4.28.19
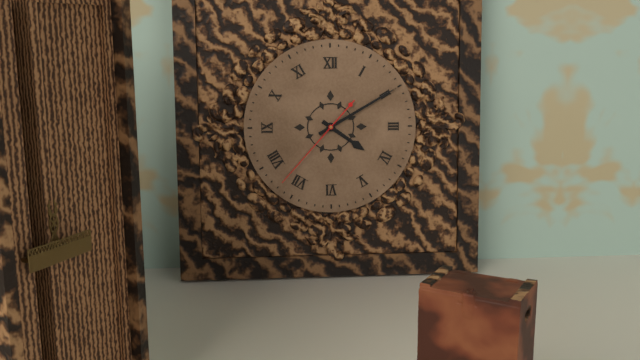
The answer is 4.10.37
